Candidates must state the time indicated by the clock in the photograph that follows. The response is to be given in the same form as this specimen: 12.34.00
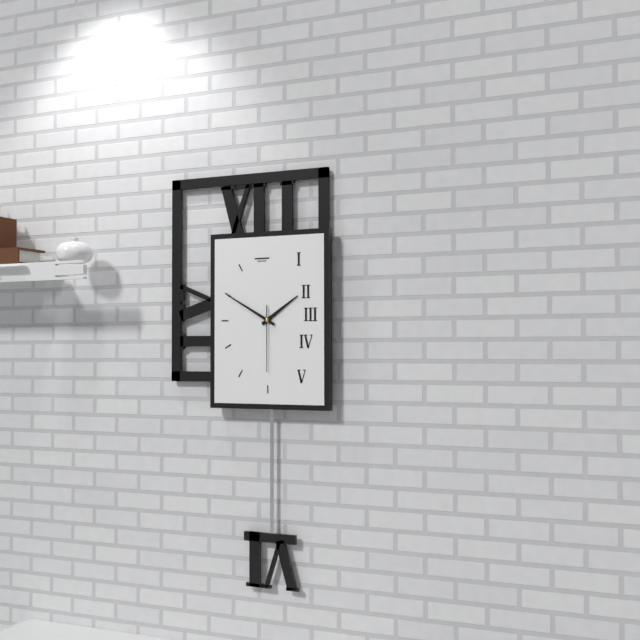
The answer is 1.50.30
